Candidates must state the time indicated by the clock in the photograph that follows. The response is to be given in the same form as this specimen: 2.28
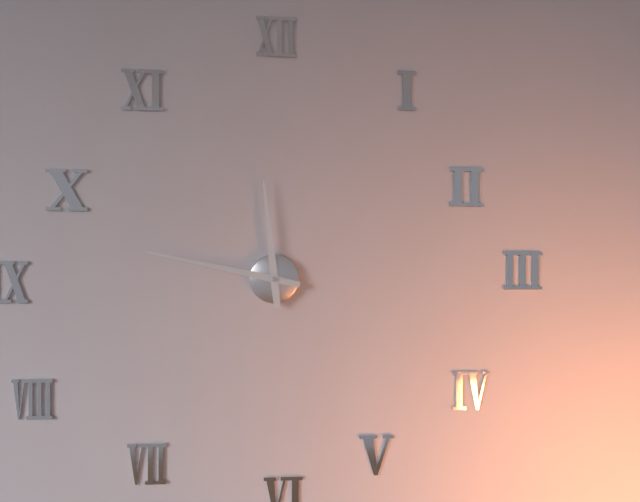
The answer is 11.47
